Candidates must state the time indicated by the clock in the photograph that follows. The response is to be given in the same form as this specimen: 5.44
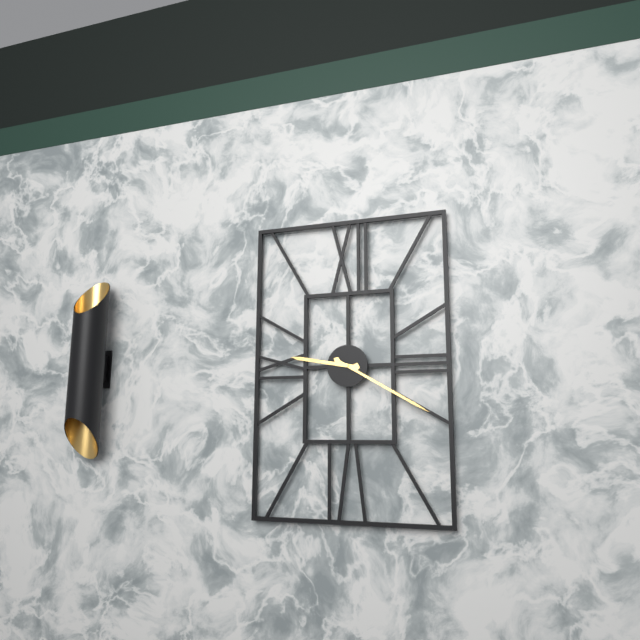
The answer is 9.20
